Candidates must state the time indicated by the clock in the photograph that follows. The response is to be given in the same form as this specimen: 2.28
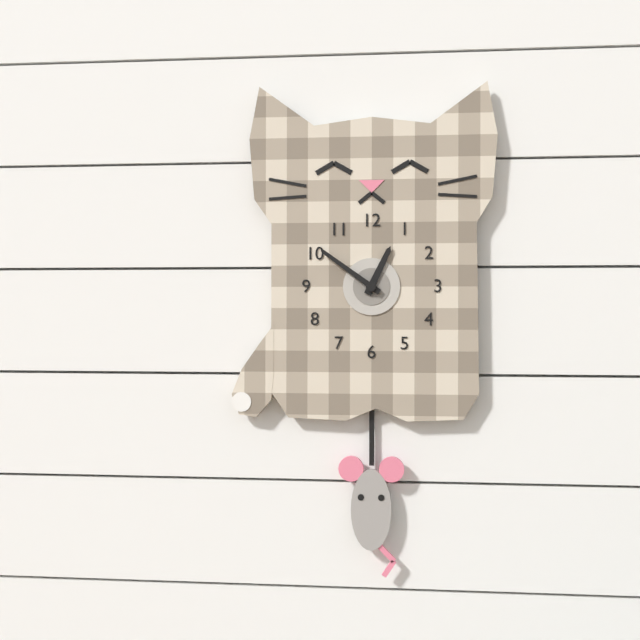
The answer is 12.51
